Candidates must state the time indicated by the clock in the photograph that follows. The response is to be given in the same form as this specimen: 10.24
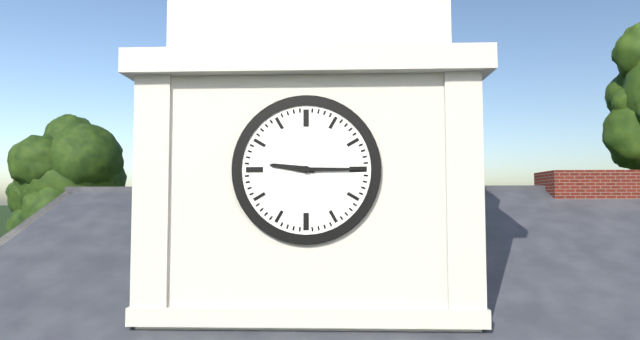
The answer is 9.15
